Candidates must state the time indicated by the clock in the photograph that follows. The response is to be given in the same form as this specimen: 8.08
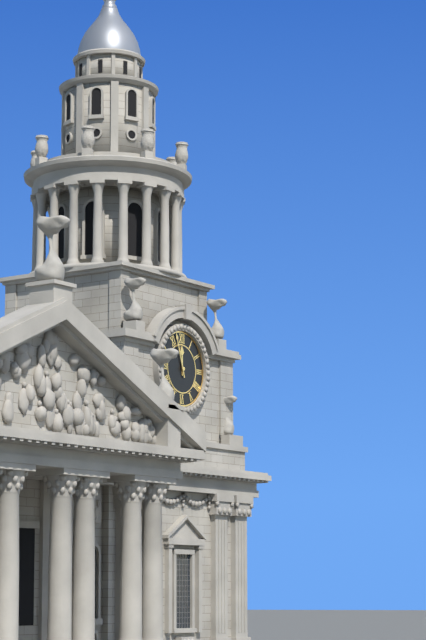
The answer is 11.57
